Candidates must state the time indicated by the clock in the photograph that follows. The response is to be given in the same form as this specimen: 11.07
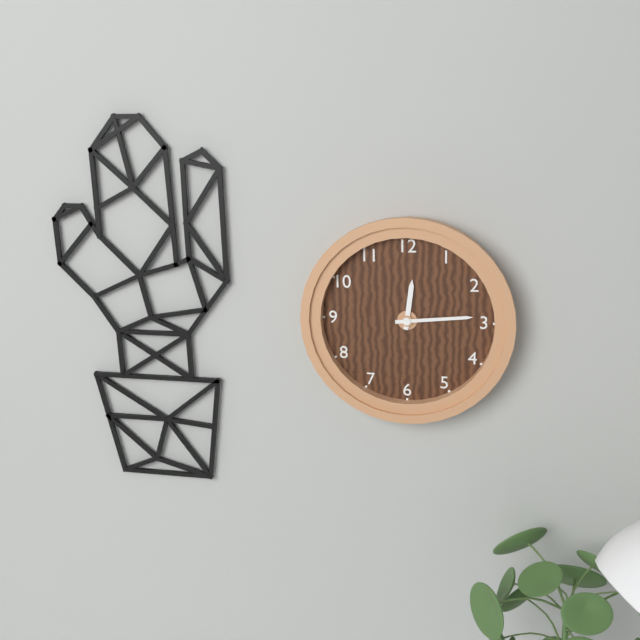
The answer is 12.14
